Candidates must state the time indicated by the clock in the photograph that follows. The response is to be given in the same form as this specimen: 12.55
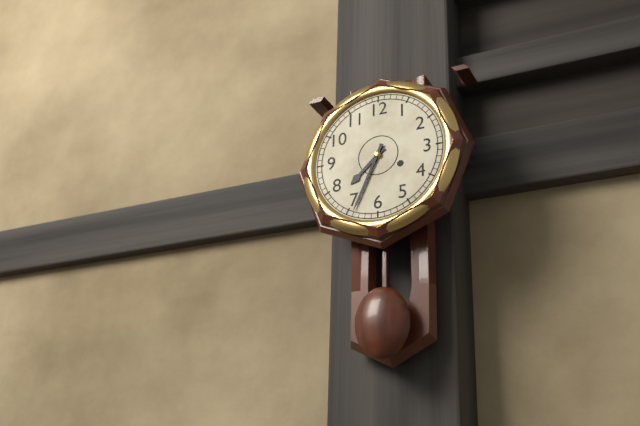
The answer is 7.34
